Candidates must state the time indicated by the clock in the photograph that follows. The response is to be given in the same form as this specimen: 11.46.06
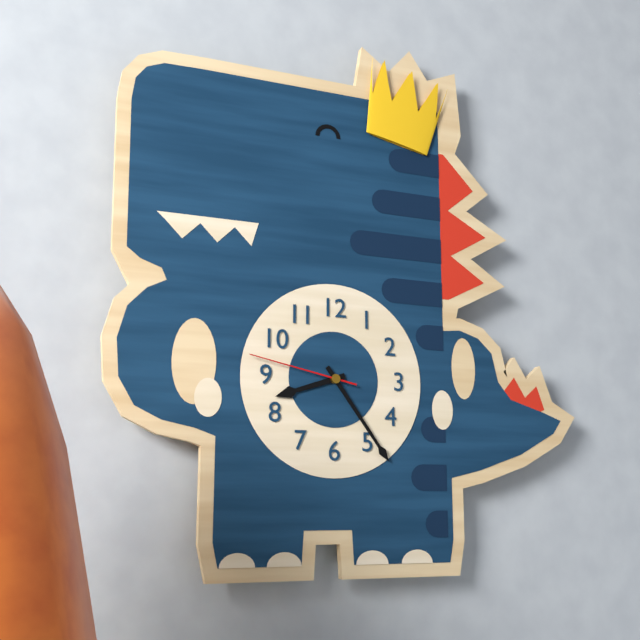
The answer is 8.24.47
